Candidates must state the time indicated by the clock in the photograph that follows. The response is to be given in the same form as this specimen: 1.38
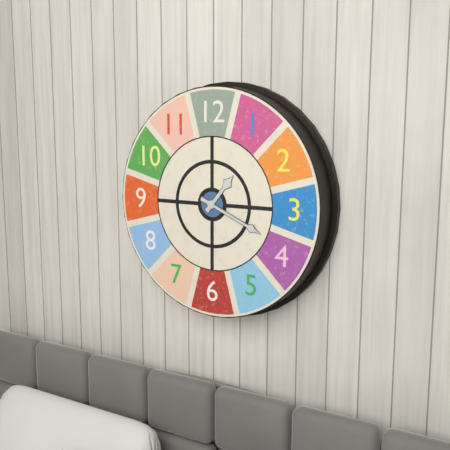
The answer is 1.19
